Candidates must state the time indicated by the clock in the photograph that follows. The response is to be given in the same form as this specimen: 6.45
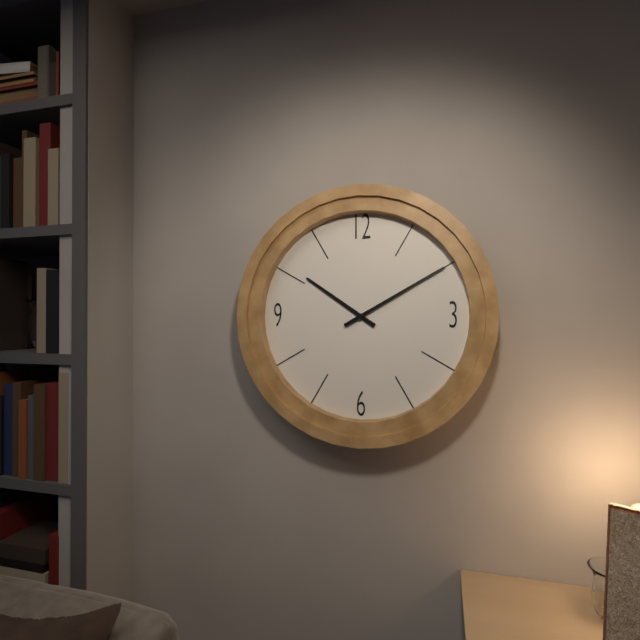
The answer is 10.10
